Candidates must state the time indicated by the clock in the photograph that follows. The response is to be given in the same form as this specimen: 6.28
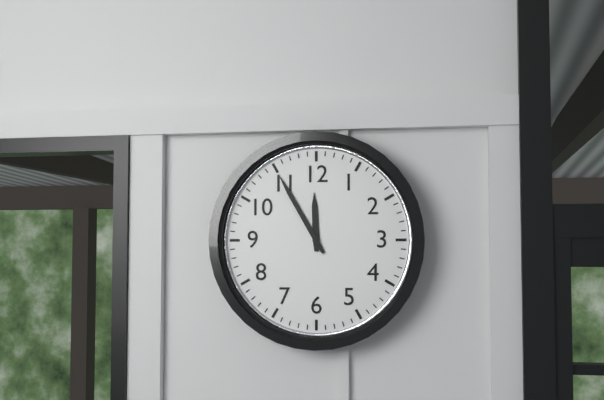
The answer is 11.55
